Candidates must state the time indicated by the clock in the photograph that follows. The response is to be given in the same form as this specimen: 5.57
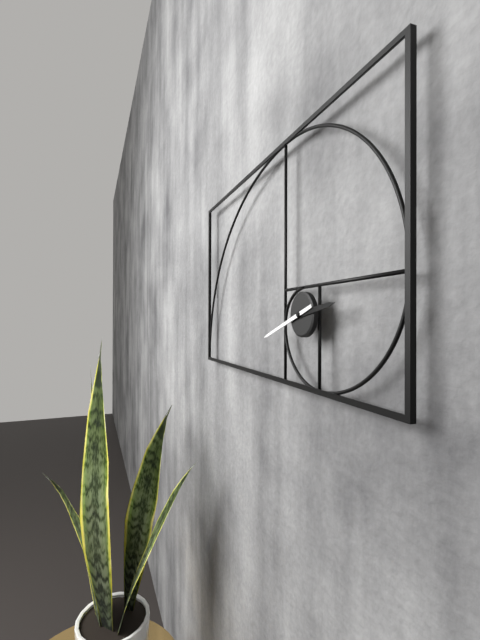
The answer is 2.42
